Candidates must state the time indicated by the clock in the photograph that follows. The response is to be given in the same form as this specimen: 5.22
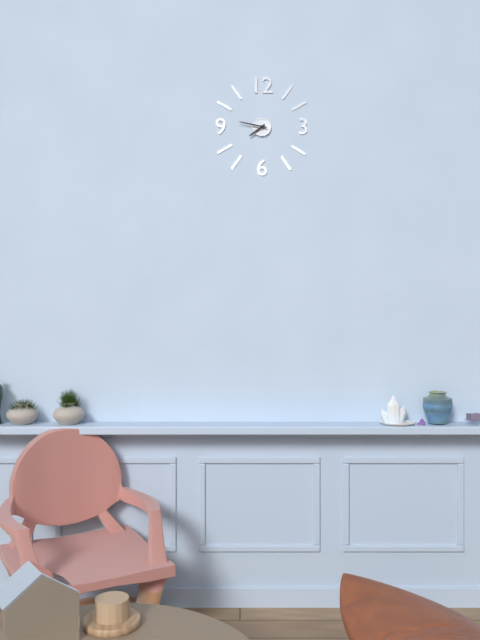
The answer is 7.47
